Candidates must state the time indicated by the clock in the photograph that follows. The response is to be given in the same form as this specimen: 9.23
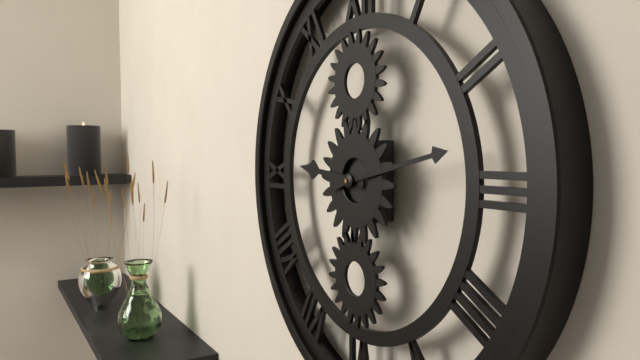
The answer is 9.13
